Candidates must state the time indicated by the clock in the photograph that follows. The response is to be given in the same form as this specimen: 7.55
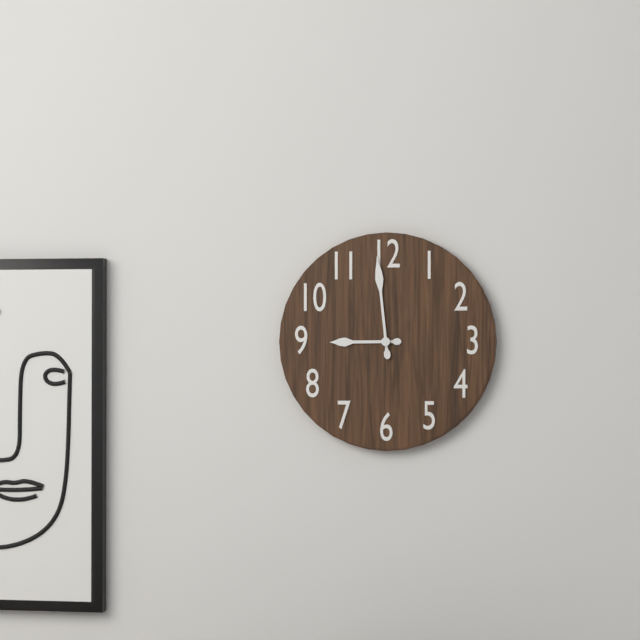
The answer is 8.59
